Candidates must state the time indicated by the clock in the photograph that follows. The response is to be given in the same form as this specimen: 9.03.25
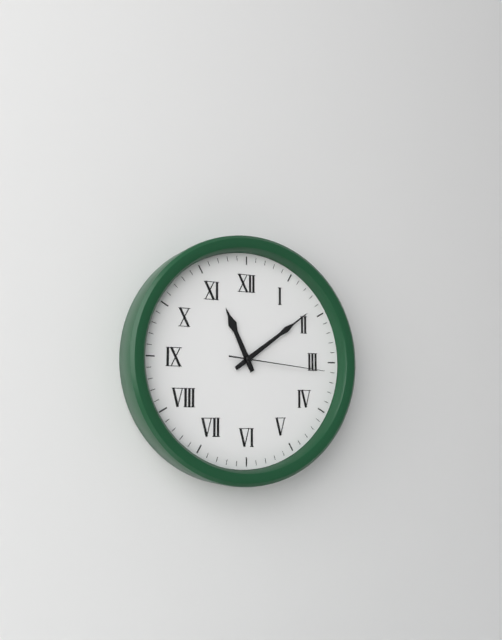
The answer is 11.09.16
